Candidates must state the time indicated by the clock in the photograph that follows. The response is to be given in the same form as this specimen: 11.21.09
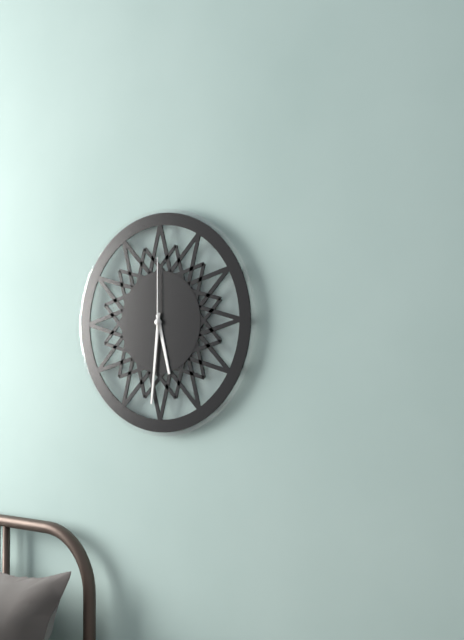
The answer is 5.31.00
